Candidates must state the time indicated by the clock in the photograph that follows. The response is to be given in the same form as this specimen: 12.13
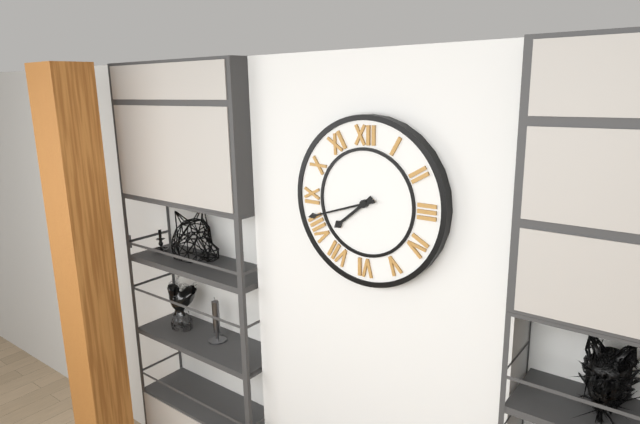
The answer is 7.42
